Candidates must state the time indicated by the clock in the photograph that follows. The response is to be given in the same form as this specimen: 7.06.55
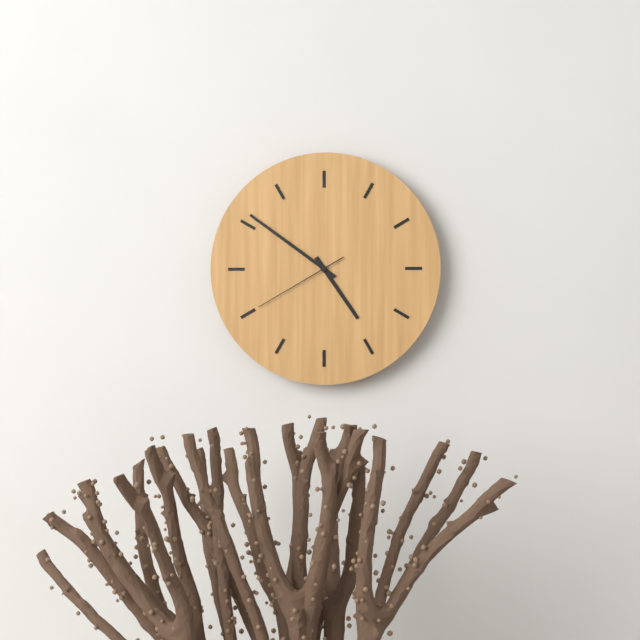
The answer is 4.51.40
